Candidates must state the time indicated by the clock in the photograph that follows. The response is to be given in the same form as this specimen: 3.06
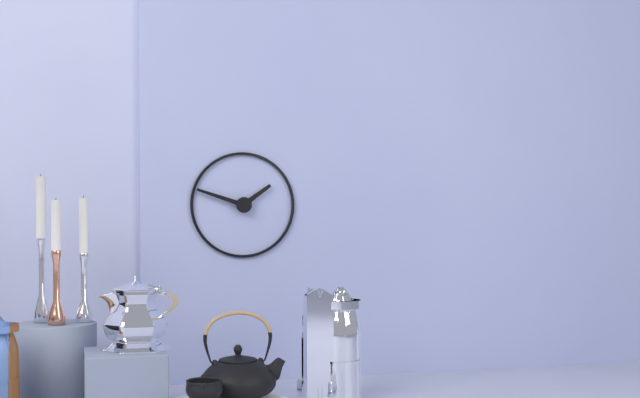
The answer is 1.48
